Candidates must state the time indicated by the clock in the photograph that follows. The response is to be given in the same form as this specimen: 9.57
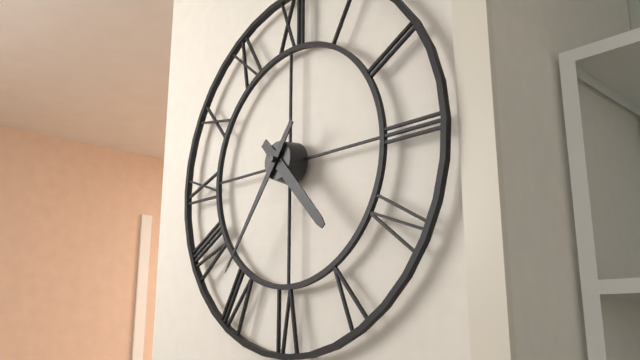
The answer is 4.36
